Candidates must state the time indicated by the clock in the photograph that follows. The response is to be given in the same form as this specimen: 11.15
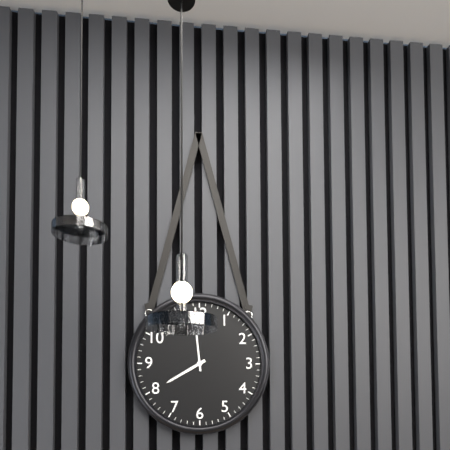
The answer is 7.59
